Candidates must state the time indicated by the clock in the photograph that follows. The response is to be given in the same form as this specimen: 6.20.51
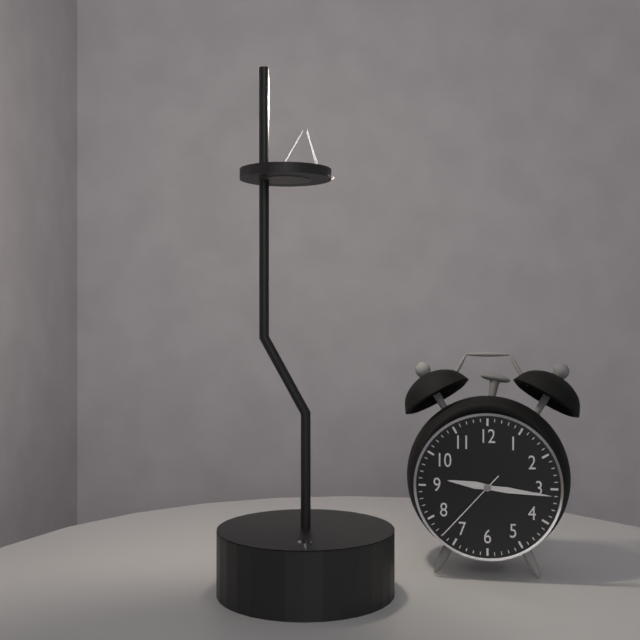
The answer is 9.16.37
